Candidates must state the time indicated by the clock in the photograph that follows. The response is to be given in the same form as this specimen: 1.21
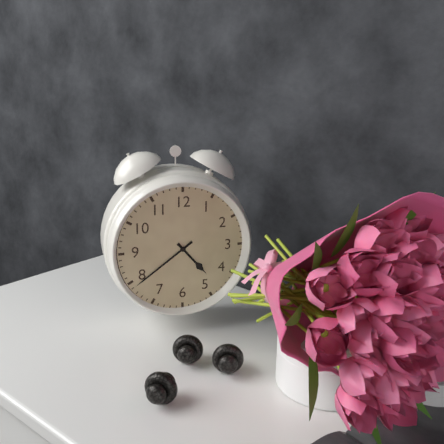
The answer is 4.39
